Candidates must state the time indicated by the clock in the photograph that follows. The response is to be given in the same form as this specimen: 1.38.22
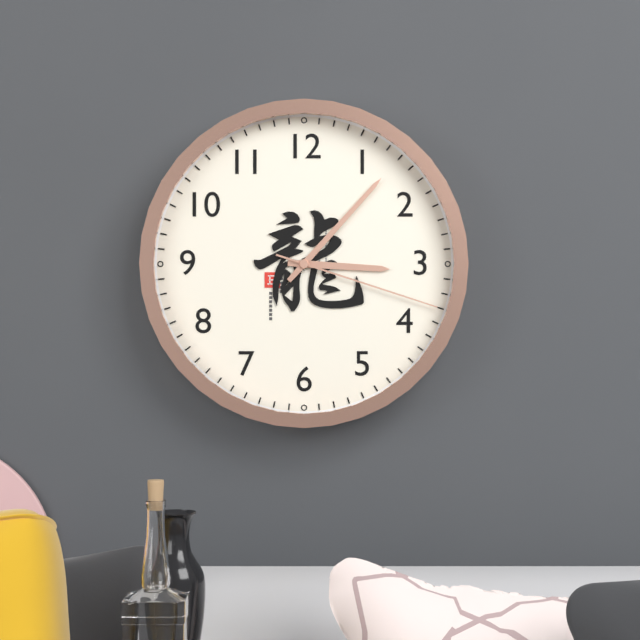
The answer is 3.07.18
